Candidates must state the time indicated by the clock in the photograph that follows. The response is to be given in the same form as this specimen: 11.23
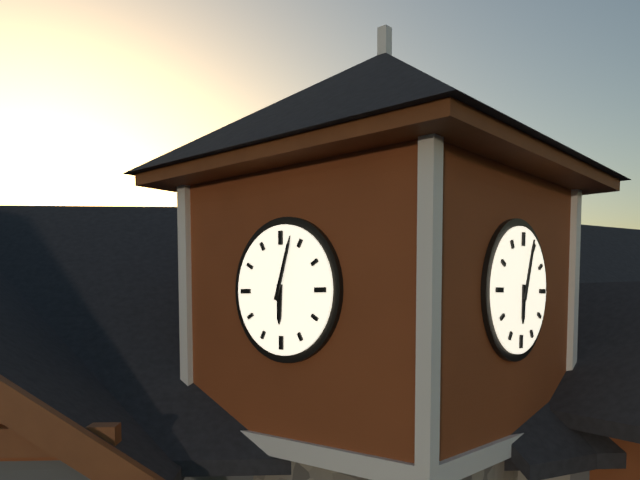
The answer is 6.03
